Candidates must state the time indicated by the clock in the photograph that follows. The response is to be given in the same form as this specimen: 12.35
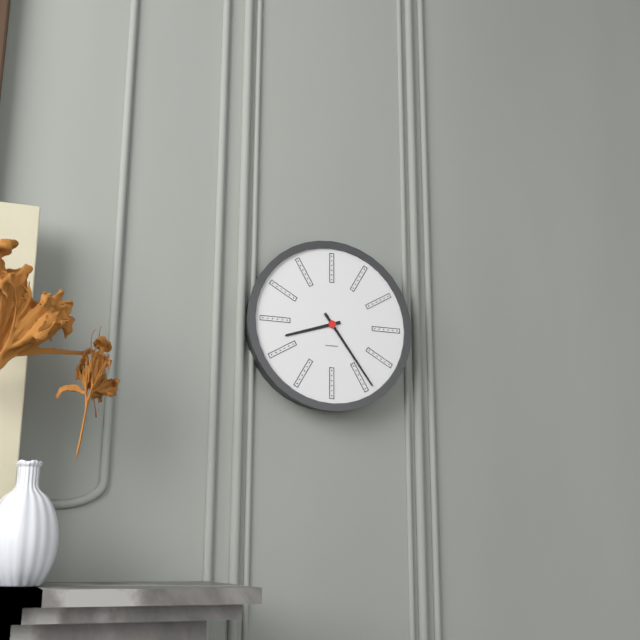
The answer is 8.24
